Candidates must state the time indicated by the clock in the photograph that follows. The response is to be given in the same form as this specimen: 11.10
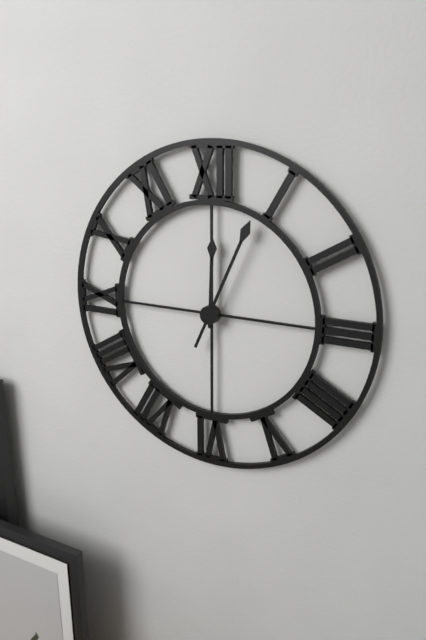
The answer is 12.04
